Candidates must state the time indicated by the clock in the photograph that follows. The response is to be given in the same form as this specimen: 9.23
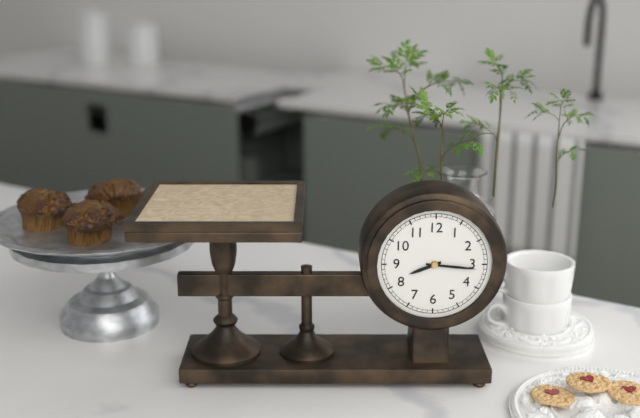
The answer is 8.16
